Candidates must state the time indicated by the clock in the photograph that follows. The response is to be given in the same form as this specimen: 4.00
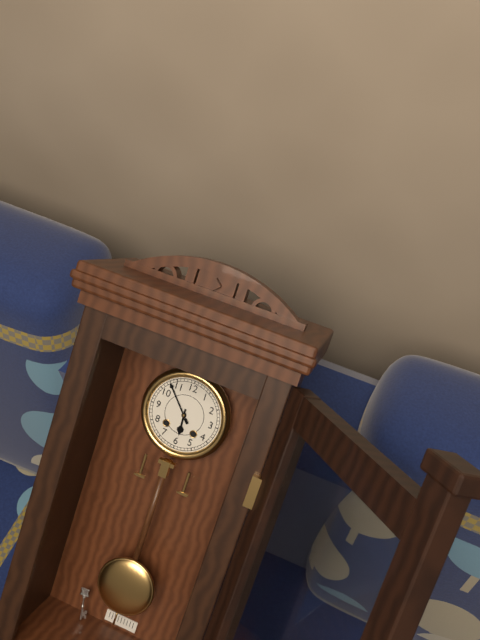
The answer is 5.53
